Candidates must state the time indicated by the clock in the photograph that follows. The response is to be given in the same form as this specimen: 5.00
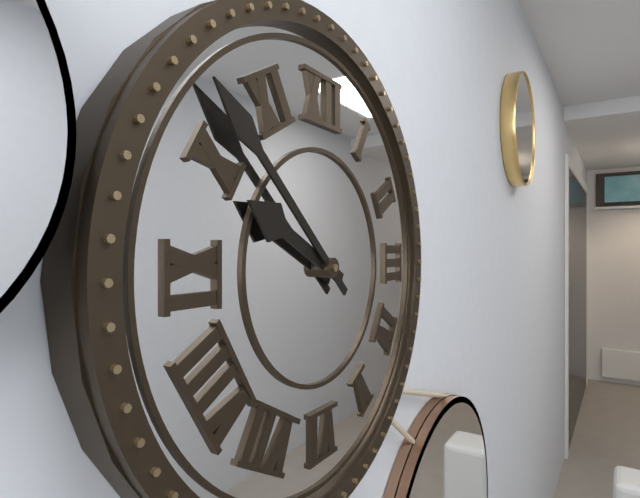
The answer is 9.52
